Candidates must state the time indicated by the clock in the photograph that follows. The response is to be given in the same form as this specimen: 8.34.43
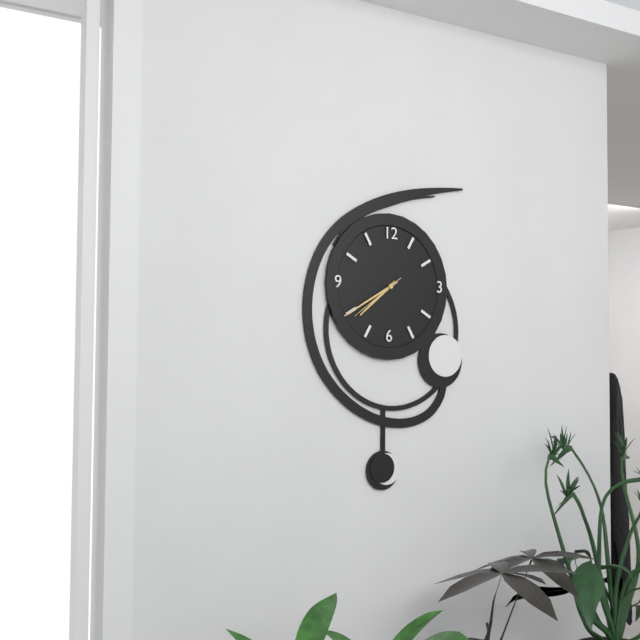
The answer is 7.40.39
